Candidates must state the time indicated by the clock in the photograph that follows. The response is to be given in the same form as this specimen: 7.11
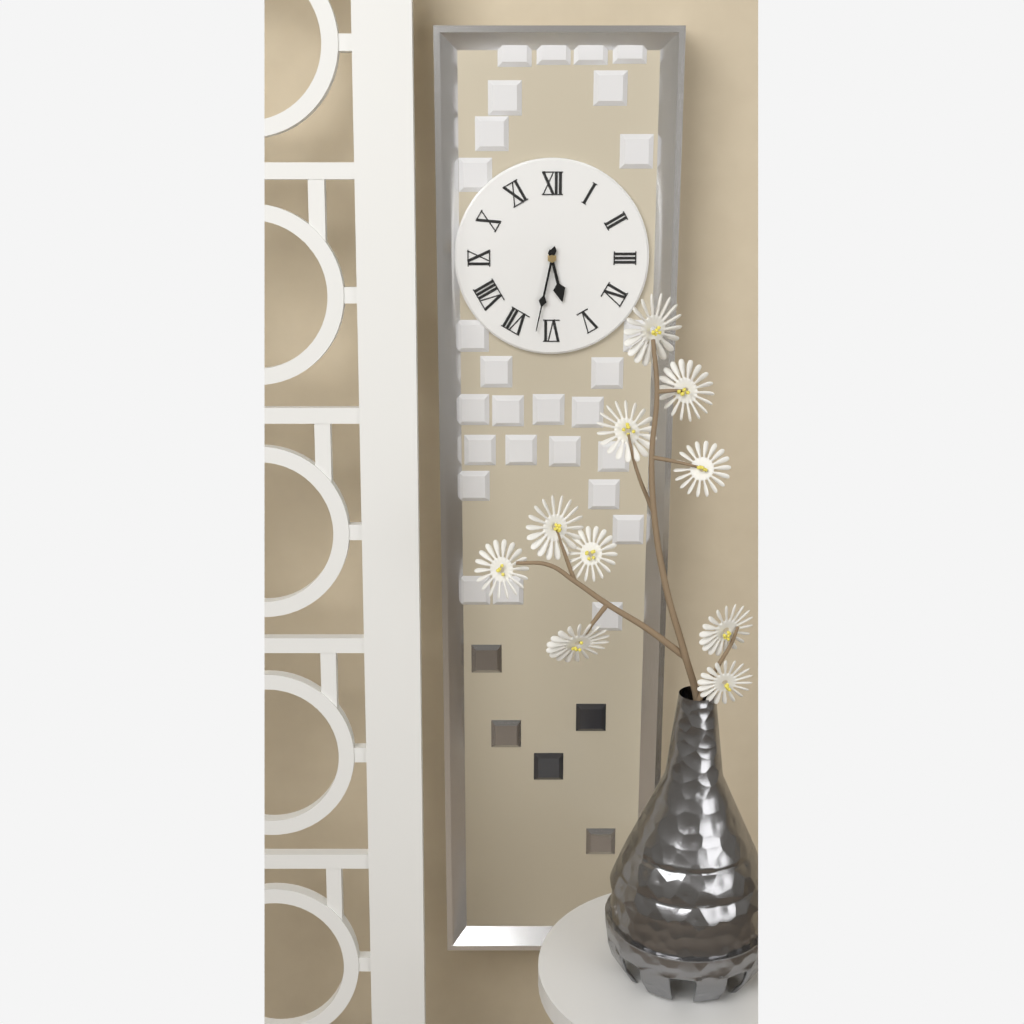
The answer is 5.32
